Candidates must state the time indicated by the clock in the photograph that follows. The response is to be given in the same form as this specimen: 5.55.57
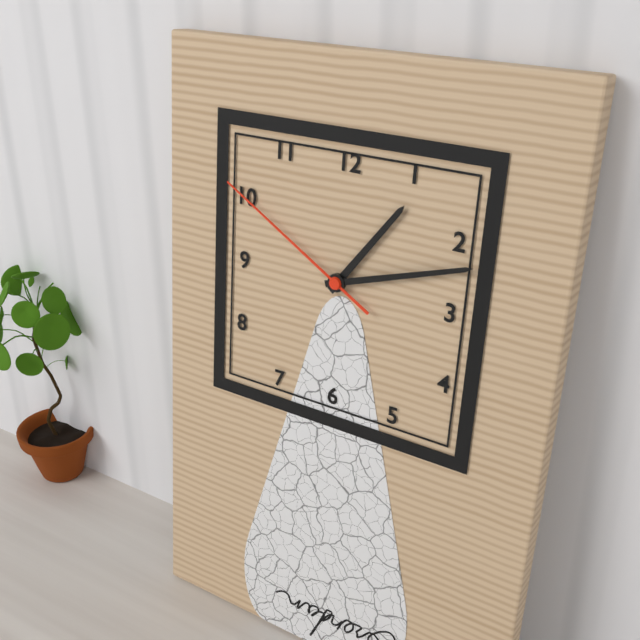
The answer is 1.12.50
